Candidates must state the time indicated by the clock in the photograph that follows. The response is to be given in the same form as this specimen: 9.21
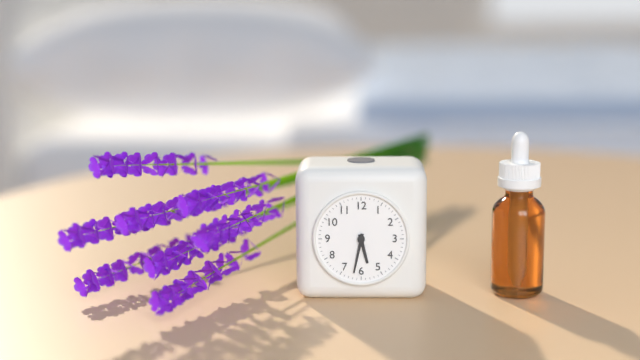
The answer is 5.32
